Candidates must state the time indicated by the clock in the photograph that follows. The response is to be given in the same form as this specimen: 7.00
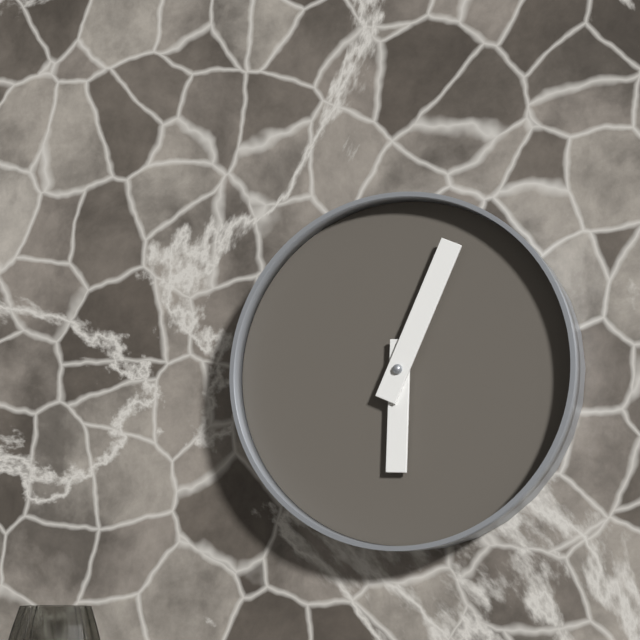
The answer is 6.04
